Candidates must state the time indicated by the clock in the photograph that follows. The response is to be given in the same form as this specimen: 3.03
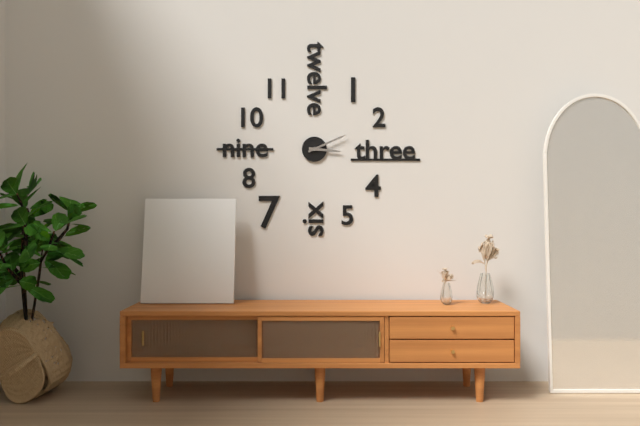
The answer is 3.11
